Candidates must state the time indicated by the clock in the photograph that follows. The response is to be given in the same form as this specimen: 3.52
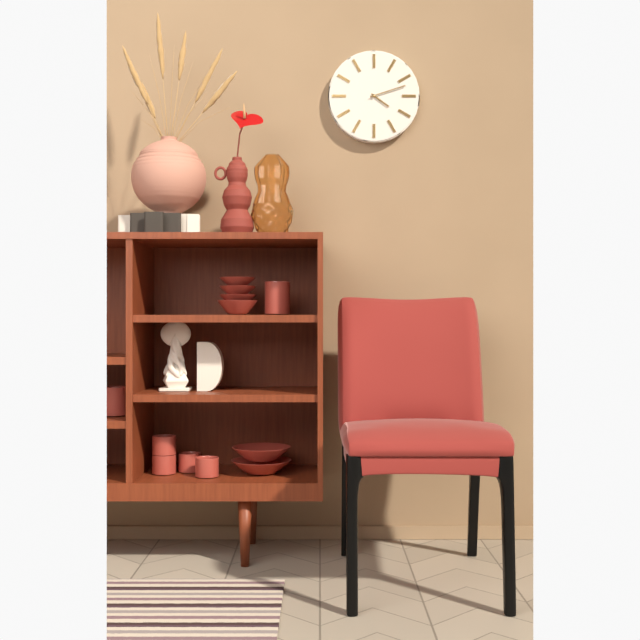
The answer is 4.12
